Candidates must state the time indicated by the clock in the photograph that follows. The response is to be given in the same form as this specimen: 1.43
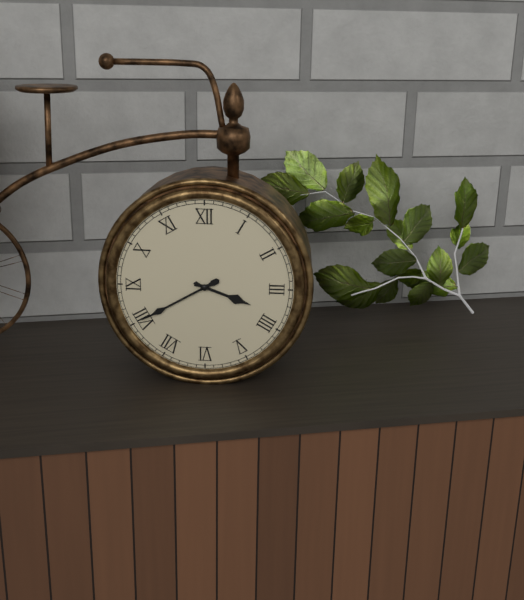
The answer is 3.40
